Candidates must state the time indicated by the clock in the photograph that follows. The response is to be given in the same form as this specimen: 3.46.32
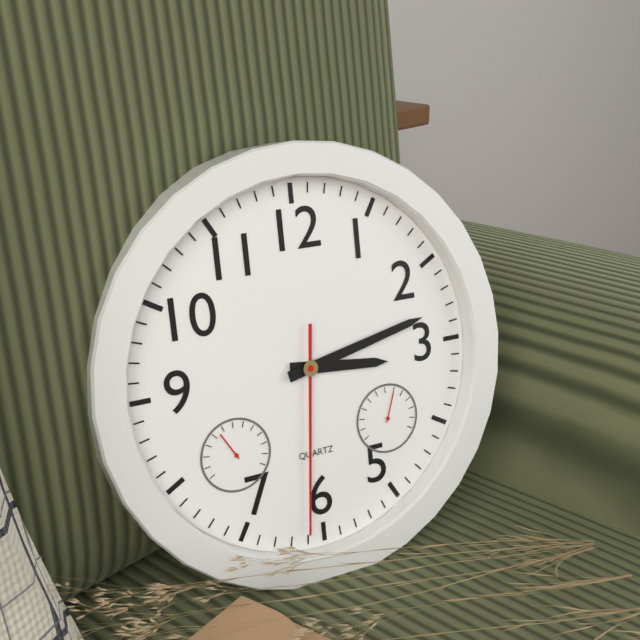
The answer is 3.13.31
